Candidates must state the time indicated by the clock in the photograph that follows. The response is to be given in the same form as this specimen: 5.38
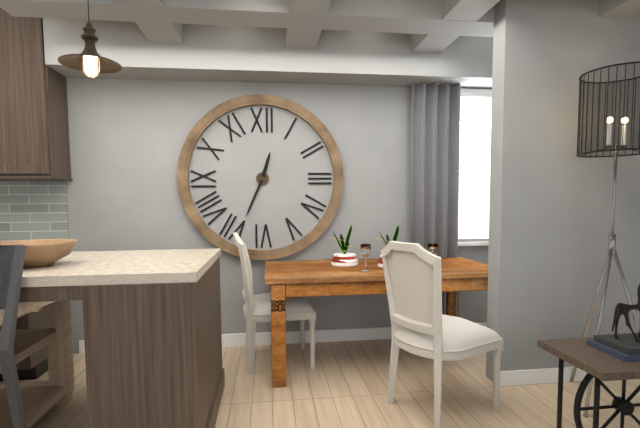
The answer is 12.34
